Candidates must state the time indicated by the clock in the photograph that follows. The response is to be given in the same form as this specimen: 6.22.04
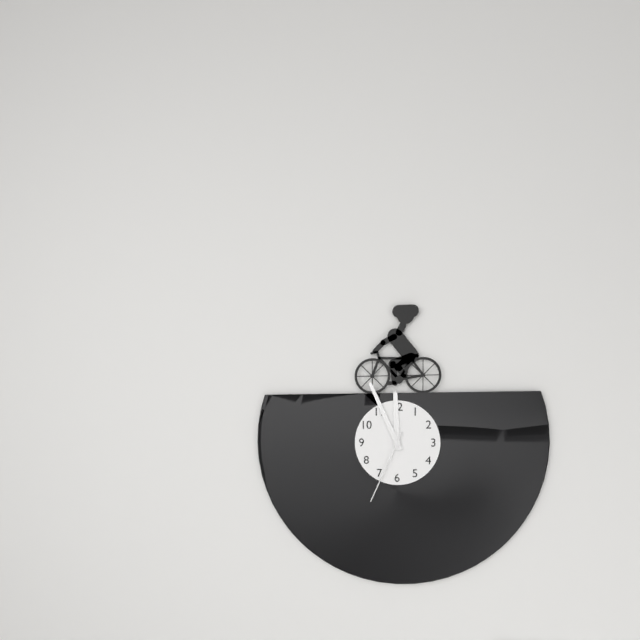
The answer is 11.56.34
